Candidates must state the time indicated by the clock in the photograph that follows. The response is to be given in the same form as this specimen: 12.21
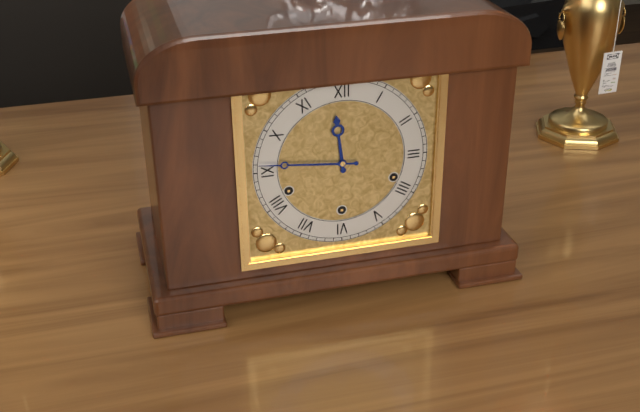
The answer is 11.46
